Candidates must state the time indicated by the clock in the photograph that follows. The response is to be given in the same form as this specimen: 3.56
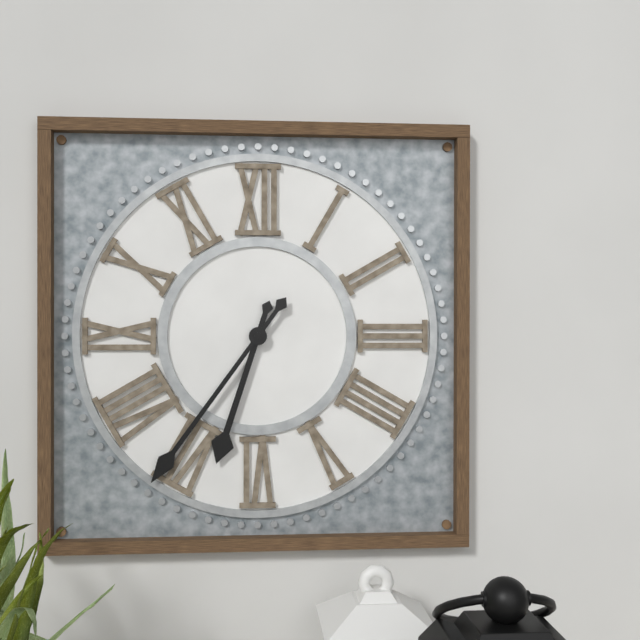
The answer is 6.36
